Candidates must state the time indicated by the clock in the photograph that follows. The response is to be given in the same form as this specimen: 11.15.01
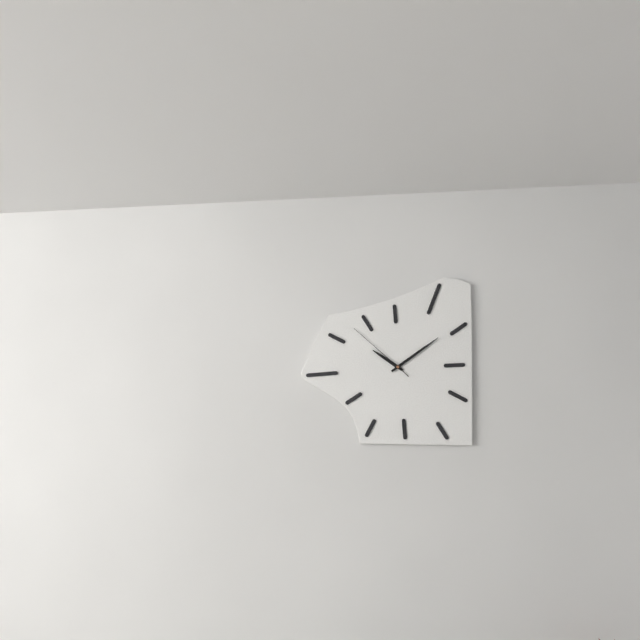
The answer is 10.09.52
